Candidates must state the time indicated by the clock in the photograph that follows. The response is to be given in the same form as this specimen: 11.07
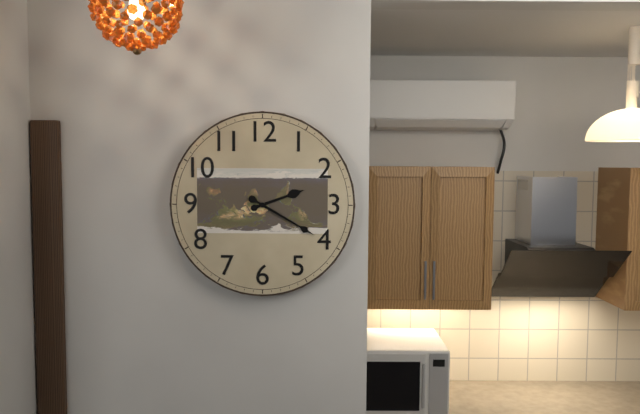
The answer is 2.20
